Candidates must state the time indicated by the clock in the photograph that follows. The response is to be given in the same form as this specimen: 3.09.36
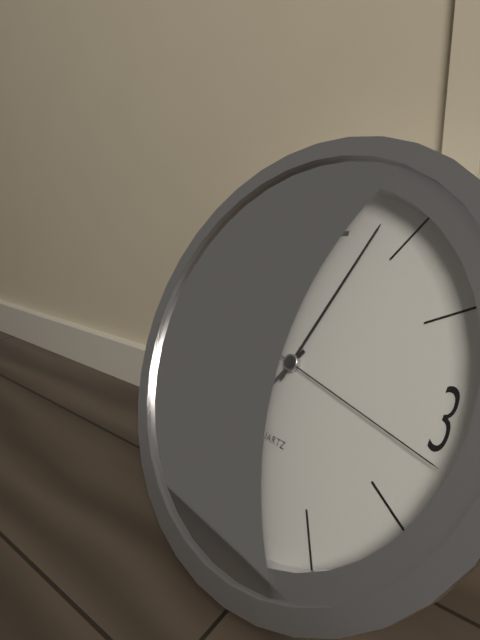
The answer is 7.03.17
